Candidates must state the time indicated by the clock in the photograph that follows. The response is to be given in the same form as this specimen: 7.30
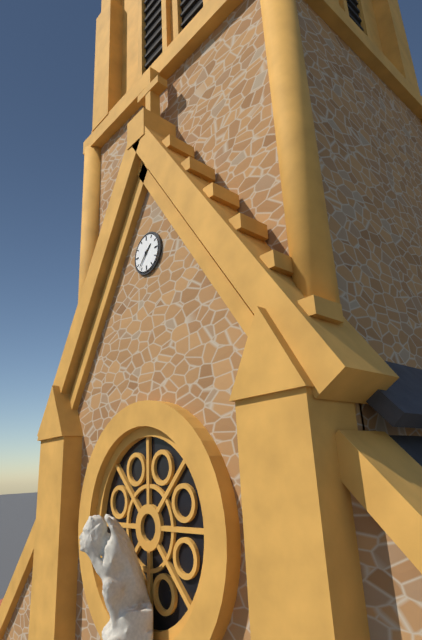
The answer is 1.37
